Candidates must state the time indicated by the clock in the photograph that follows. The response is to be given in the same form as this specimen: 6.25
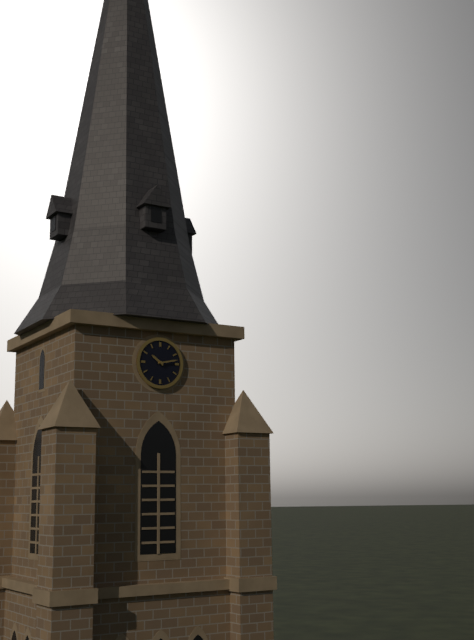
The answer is 10.13
